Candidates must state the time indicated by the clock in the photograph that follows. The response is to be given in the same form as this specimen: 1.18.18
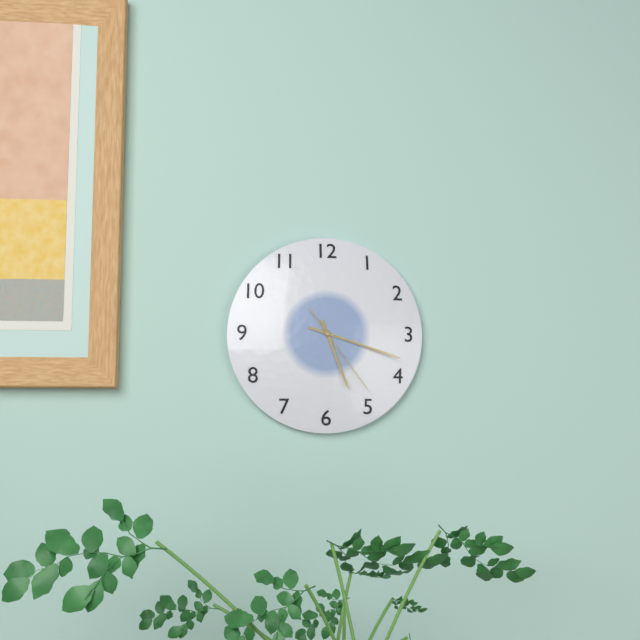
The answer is 5.18.24
